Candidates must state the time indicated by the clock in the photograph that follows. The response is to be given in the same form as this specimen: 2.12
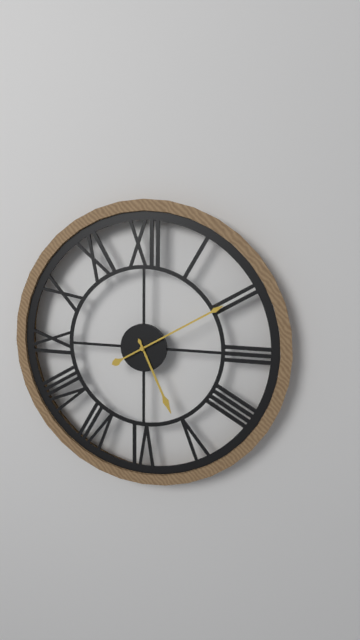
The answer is 5.10
